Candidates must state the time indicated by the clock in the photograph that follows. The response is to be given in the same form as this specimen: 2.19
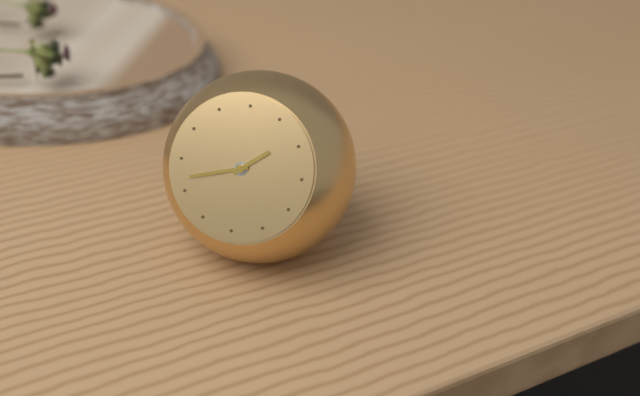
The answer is 1.42
